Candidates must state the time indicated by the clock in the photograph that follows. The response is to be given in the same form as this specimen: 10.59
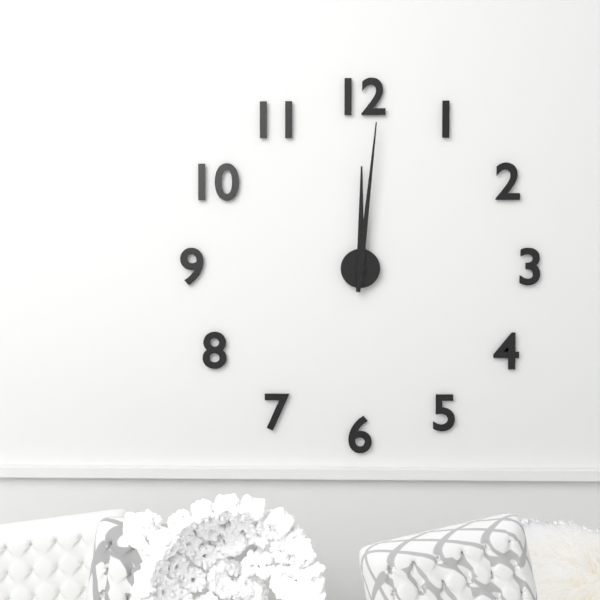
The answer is 12.01
